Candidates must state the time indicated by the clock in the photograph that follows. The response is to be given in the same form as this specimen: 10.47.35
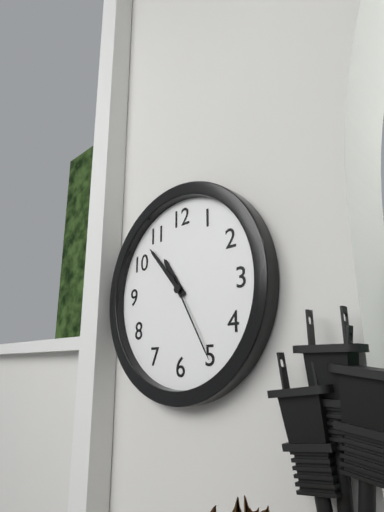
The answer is 10.53.25
